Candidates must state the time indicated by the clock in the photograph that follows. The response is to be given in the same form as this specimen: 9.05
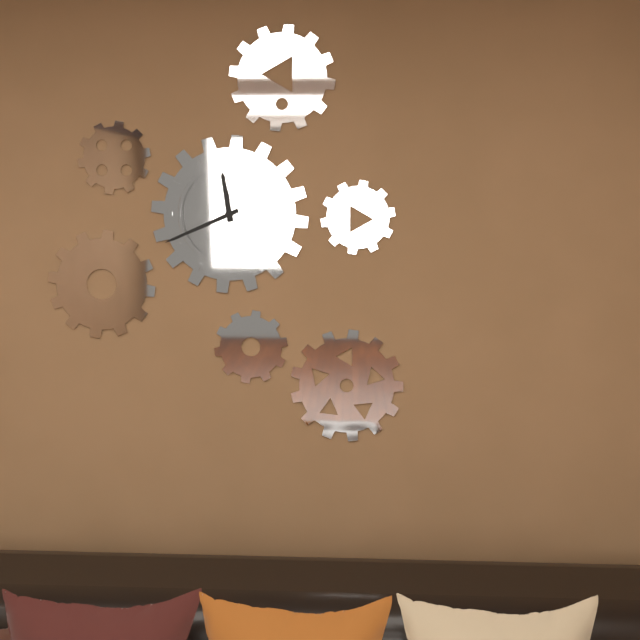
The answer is 11.41
